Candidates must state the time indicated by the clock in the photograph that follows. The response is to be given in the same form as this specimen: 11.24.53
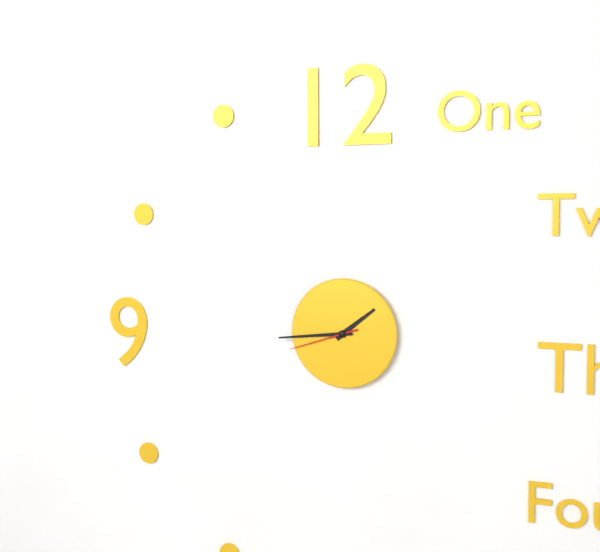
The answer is 1.44.42
